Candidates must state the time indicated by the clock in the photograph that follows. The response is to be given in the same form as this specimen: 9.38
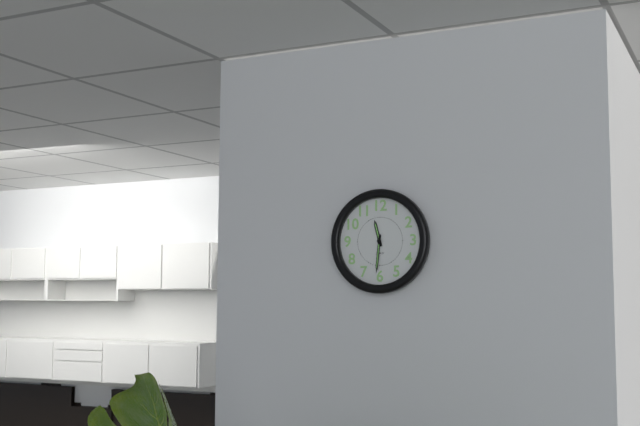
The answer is 11.31
